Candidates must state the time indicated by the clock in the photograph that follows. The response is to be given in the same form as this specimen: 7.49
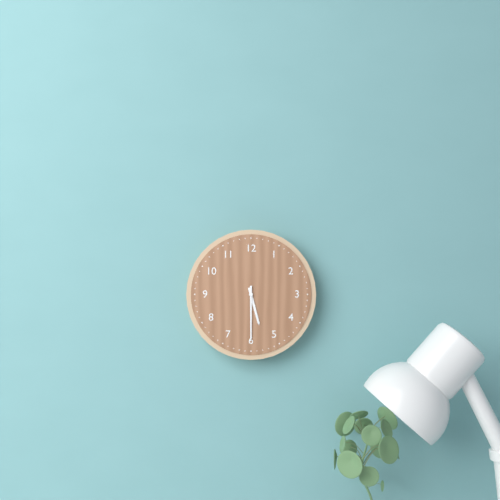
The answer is 5.30
